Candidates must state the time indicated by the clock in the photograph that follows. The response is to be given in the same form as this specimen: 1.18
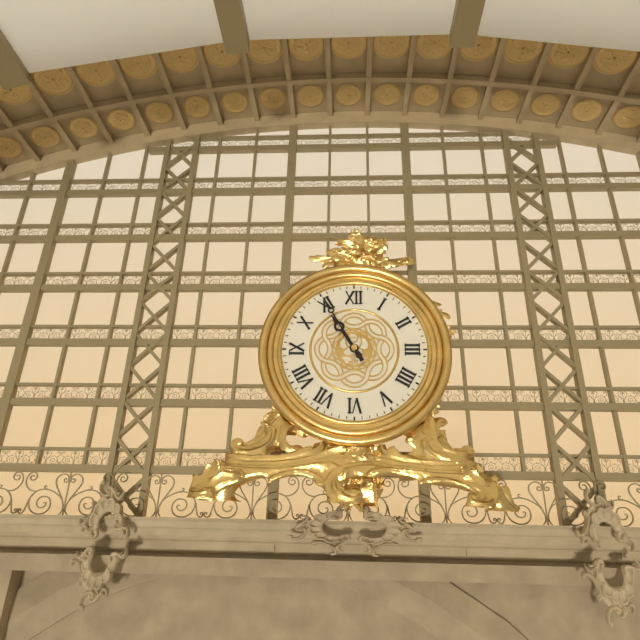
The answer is 10.55
